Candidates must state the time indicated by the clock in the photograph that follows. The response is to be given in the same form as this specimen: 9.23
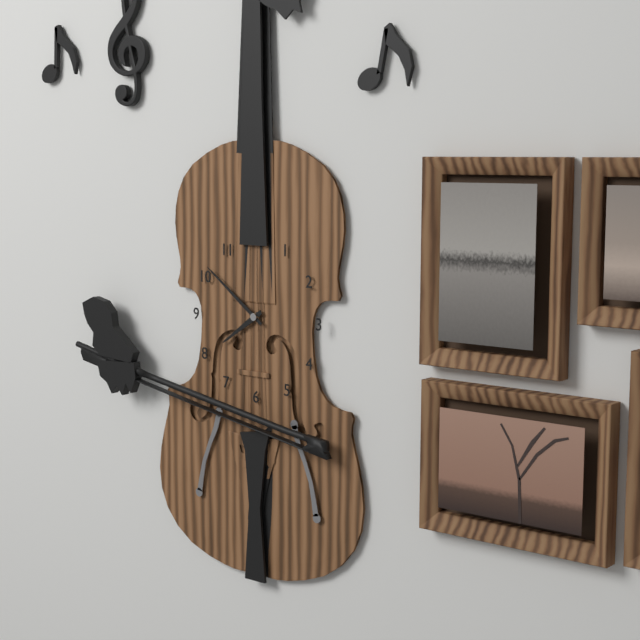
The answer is 7.51
